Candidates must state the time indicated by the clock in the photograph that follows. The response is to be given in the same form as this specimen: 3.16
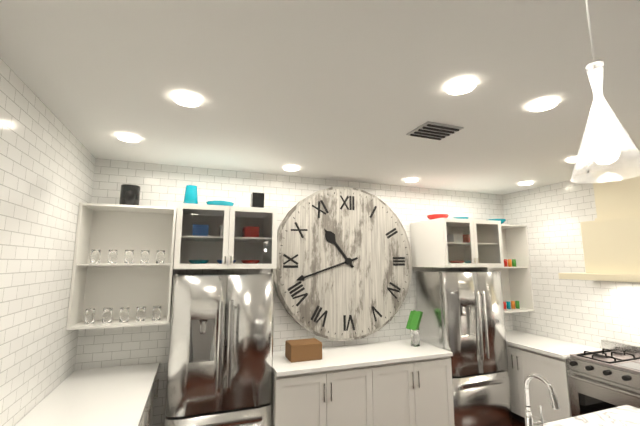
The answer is 10.42
